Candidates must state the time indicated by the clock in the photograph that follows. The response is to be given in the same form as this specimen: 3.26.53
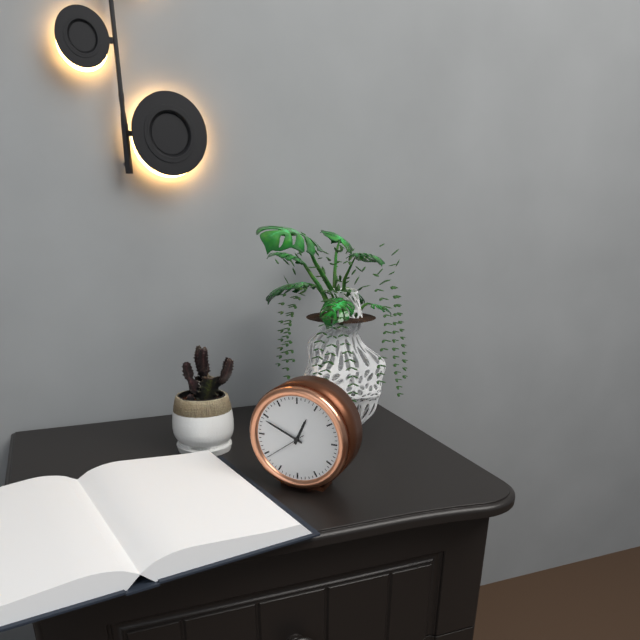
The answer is 12.49.39
